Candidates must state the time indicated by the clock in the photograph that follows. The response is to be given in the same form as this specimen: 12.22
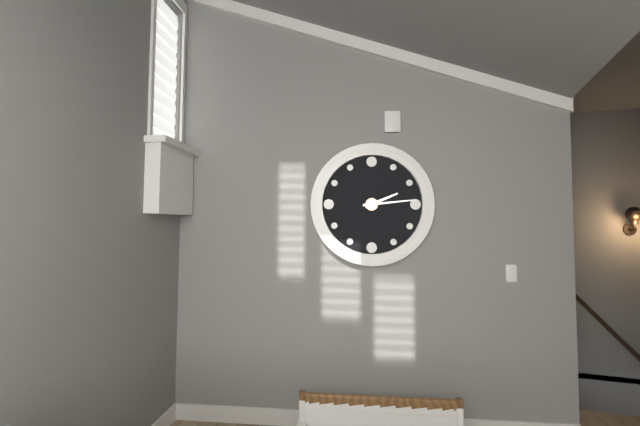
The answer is 2.14
